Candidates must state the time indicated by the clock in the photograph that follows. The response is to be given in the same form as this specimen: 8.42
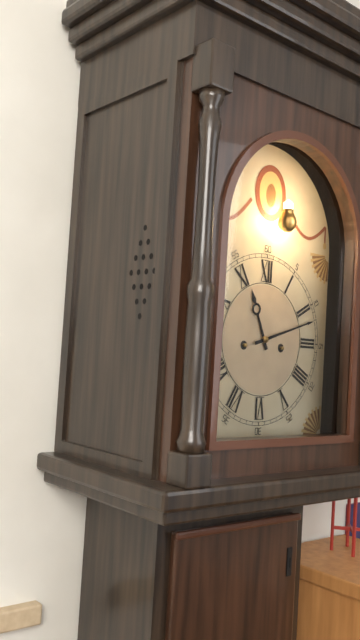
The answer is 11.12
